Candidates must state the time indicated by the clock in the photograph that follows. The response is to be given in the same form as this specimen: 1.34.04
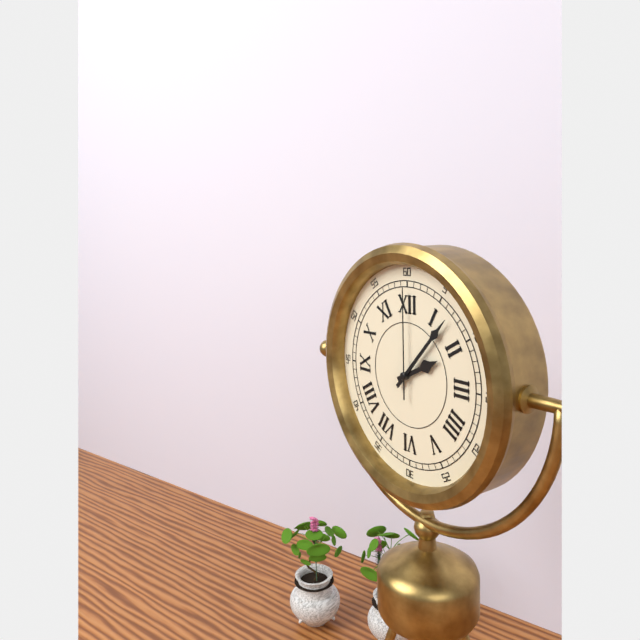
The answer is 2.07.00
